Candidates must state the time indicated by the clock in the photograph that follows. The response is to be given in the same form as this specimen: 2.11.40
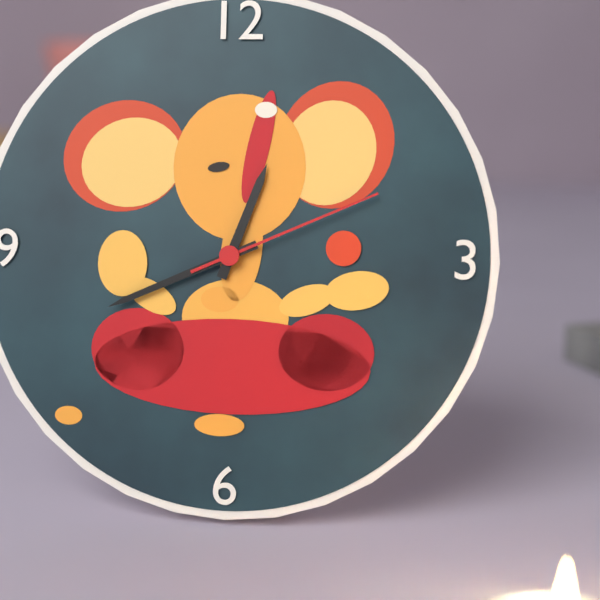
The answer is 12.41.11
